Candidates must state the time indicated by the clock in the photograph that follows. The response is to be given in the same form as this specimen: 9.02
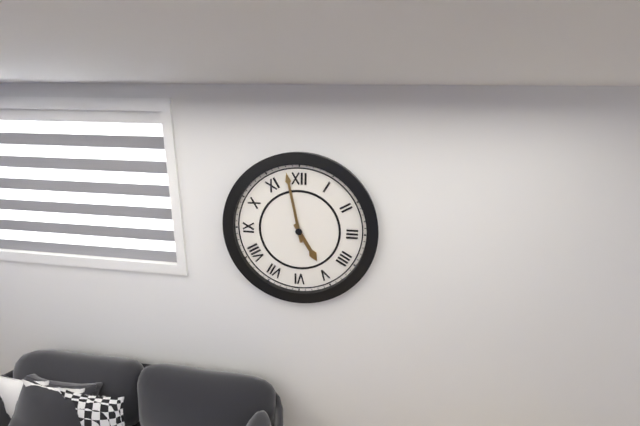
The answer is 4.58
